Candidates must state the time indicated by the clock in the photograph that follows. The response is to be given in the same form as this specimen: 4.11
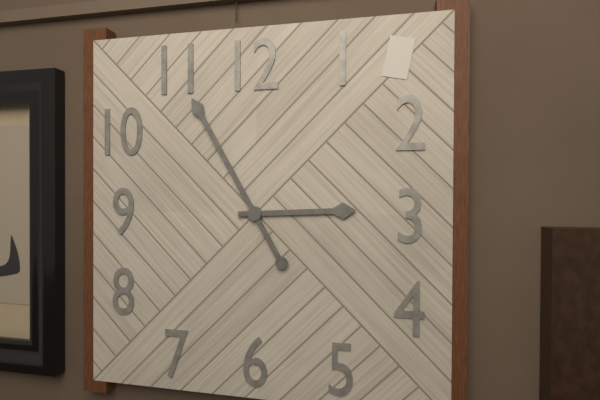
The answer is 2.55
